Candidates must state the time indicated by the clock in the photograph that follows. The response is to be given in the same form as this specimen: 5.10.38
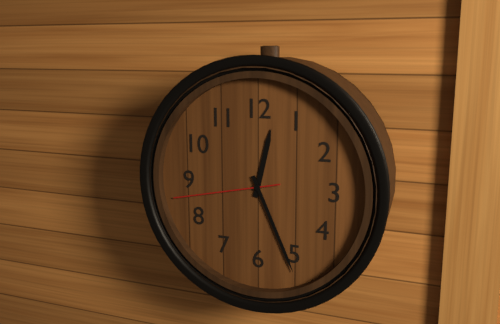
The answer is 12.26.43
